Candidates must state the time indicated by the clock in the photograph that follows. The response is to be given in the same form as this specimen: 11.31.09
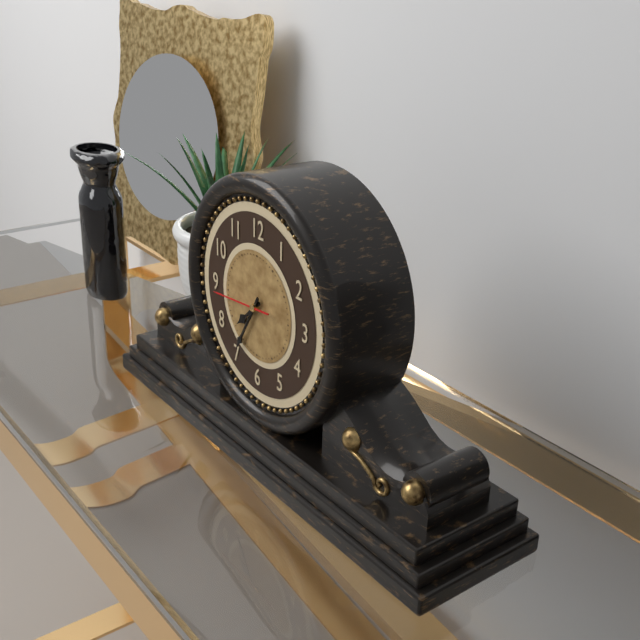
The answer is 7.35.44
